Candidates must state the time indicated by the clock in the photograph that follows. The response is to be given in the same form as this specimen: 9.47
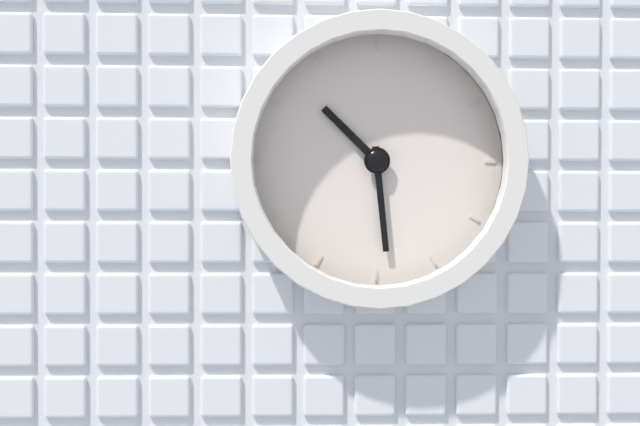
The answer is 10.29
